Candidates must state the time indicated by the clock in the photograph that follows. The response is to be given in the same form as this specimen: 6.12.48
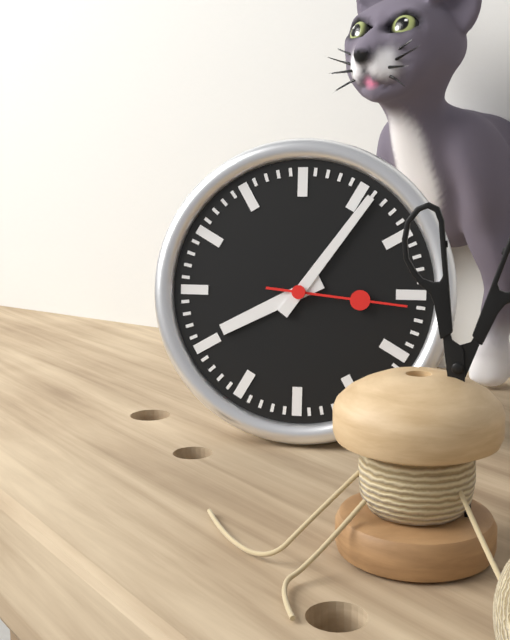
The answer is 8.06.16
